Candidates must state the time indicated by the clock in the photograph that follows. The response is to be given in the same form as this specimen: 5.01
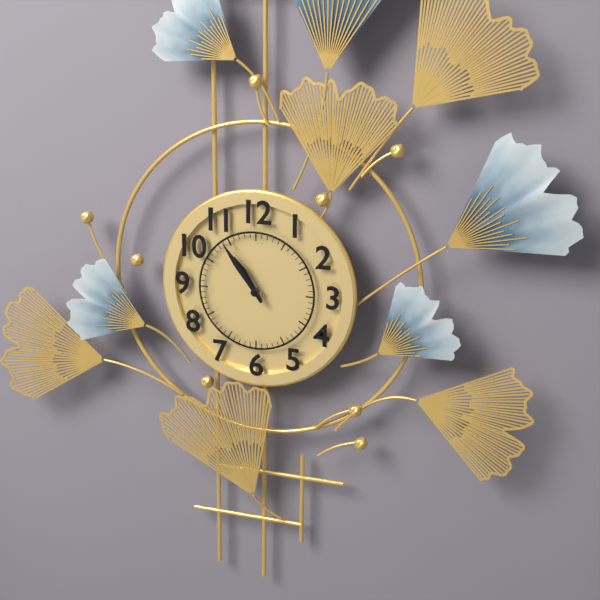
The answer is 10.54
